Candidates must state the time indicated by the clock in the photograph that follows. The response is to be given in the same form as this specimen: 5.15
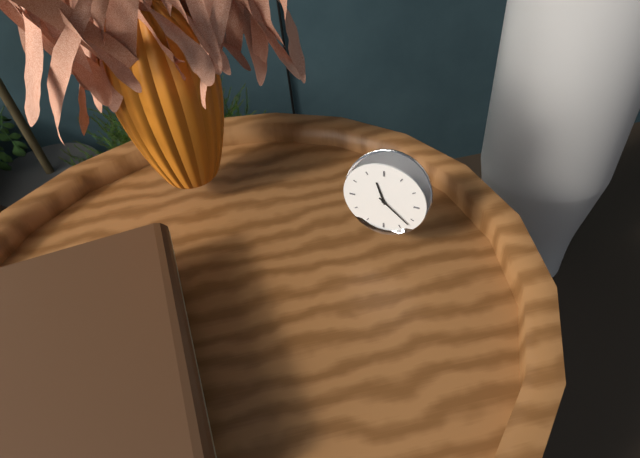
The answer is 11.22
